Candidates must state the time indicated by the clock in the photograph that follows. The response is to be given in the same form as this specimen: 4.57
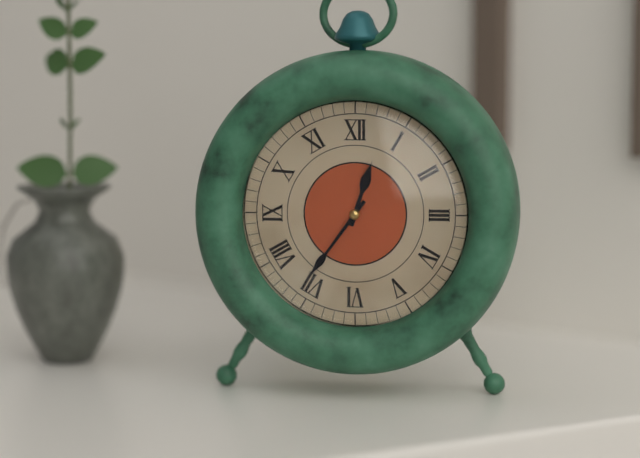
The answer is 12.36
